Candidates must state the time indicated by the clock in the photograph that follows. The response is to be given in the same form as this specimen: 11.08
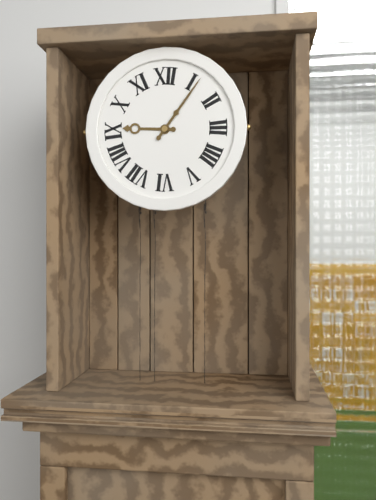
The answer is 9.06
